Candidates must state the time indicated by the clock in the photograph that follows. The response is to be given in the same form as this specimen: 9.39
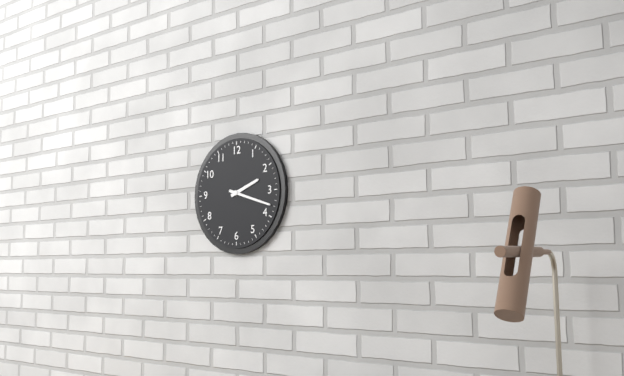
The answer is 2.18
